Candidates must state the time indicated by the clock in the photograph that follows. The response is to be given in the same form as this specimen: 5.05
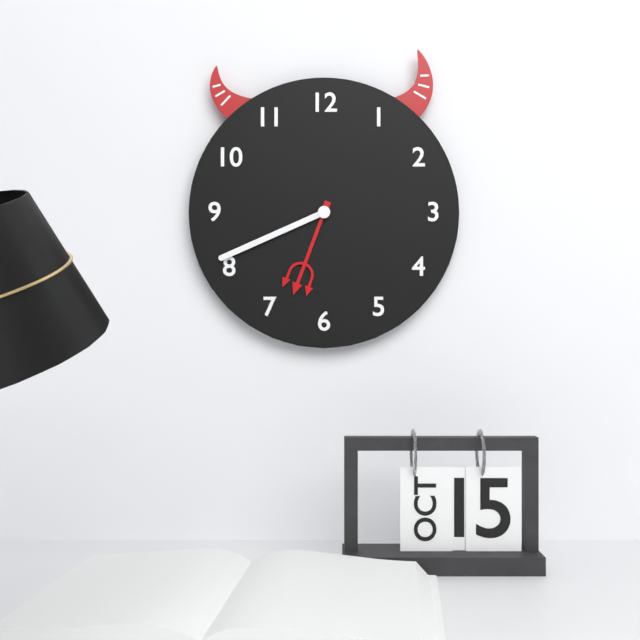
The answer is 6.41
